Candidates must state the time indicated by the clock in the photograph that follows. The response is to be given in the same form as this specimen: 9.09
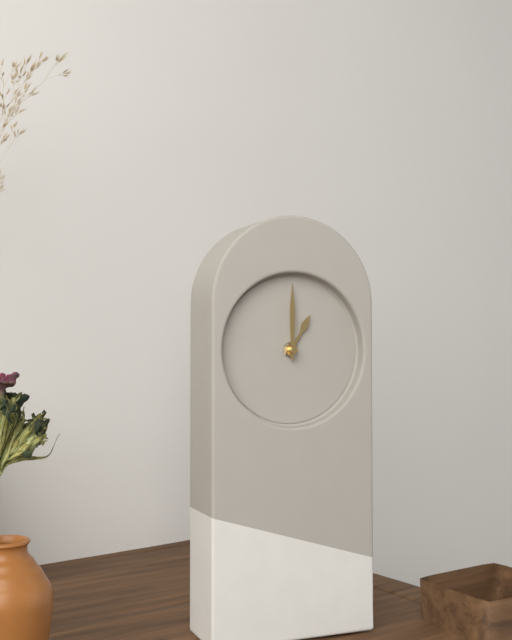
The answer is 1.00
